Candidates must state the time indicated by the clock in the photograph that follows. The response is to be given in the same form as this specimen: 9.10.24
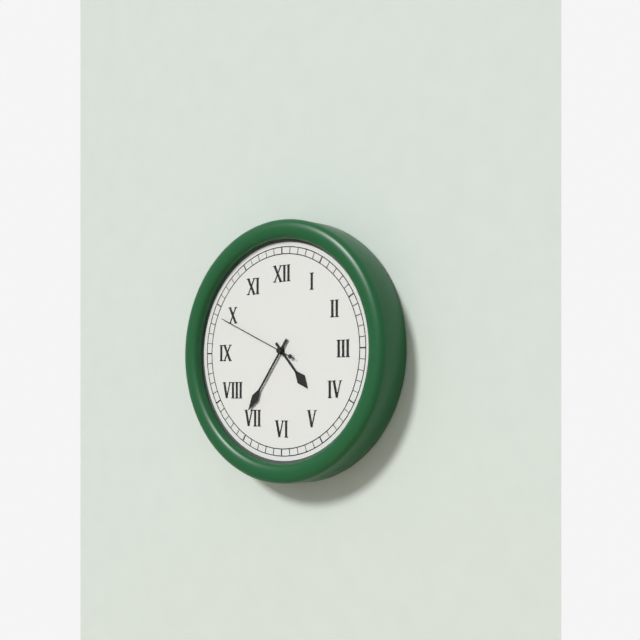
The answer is 4.36.49
